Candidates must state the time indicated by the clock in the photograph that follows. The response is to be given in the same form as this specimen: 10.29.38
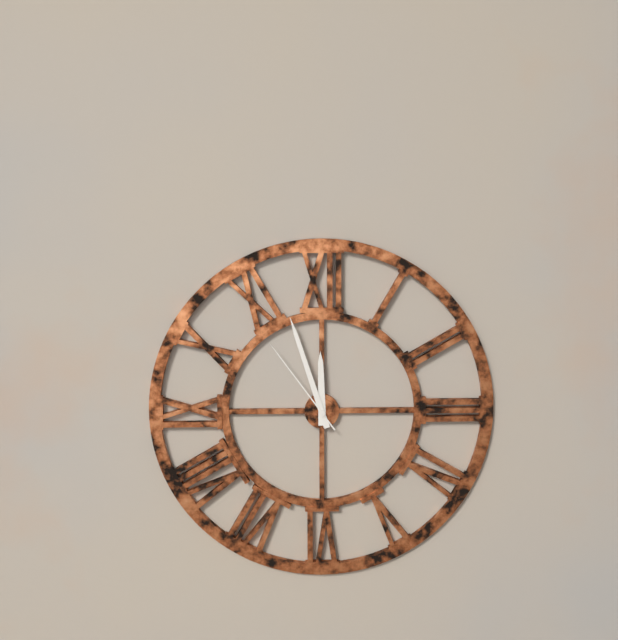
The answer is 11.57.54
